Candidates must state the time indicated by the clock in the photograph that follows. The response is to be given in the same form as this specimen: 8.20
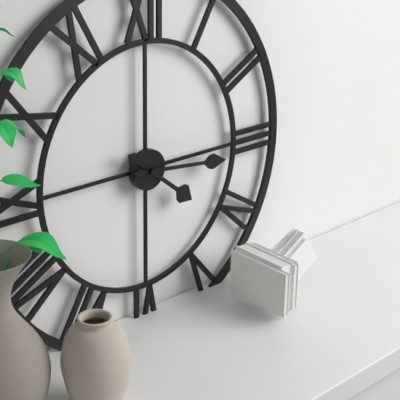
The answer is 4.16
